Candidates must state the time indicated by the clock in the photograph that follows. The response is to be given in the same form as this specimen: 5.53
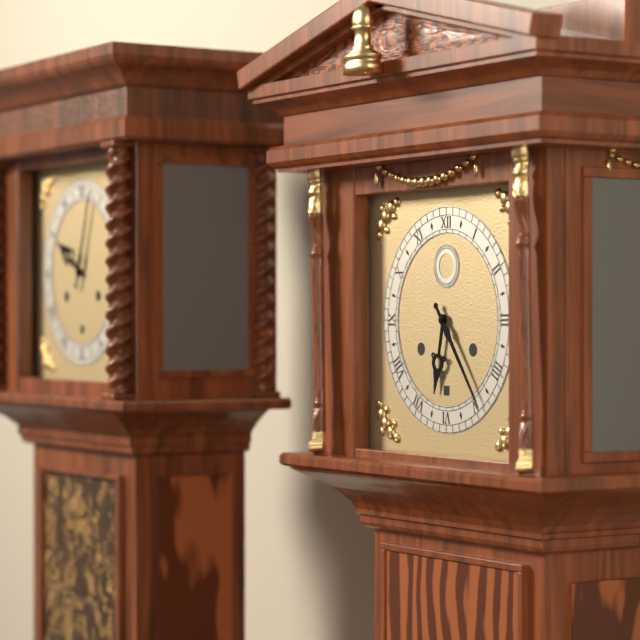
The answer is 6.24
